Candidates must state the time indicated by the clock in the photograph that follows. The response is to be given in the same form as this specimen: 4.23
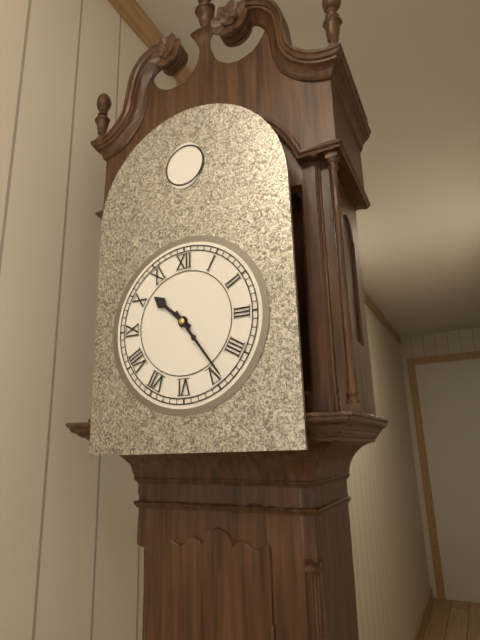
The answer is 10.24
